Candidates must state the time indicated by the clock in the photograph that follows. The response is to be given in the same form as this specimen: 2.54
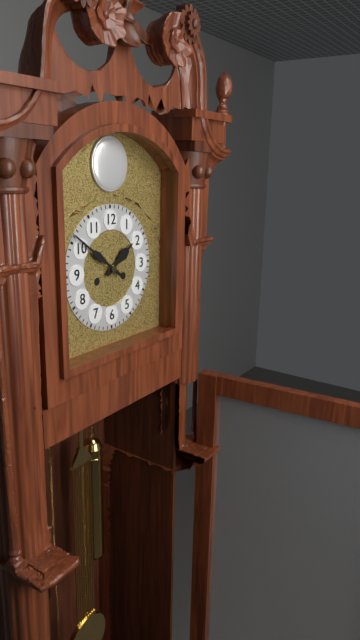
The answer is 1.51
